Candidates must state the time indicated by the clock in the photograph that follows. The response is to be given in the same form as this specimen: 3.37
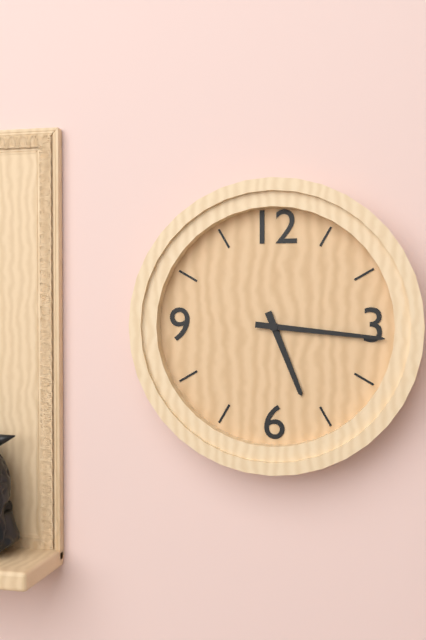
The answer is 5.16
